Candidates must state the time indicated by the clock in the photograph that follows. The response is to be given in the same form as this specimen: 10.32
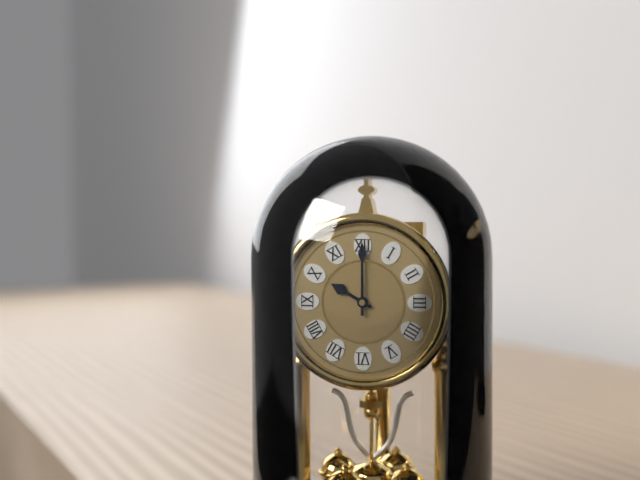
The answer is 10.00
